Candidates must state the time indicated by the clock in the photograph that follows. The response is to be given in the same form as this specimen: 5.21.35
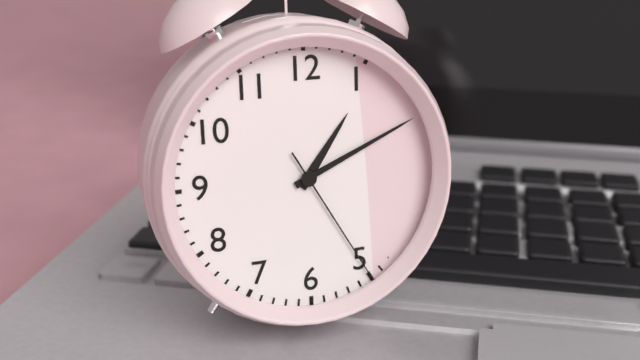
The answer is 1.11.25
